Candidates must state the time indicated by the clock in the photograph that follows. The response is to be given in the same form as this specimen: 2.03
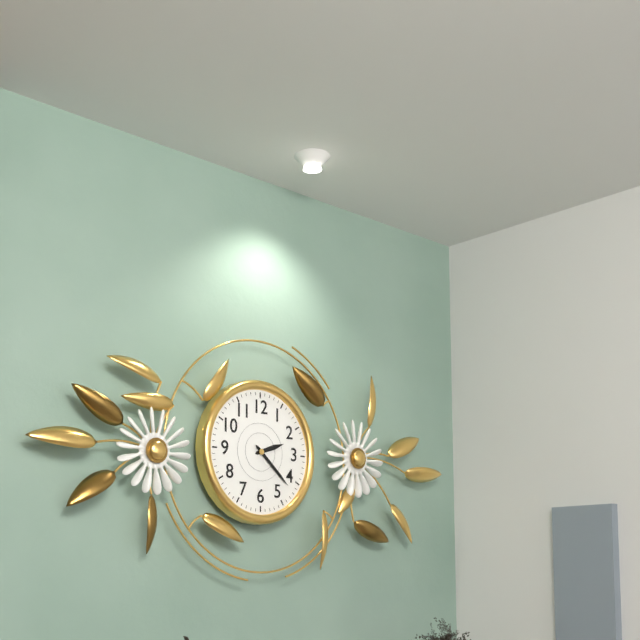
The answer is 2.22
